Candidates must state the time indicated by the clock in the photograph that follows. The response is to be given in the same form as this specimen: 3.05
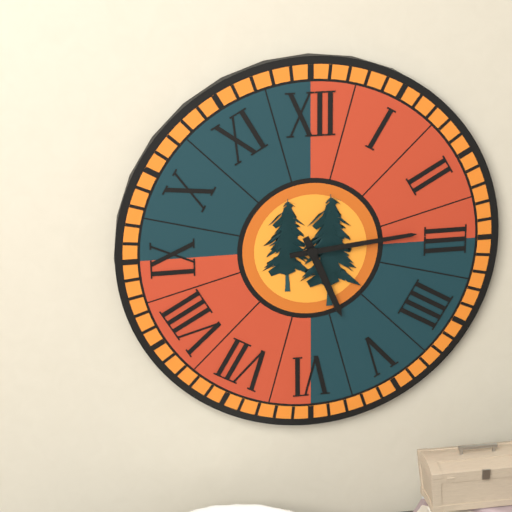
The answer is 5.14
